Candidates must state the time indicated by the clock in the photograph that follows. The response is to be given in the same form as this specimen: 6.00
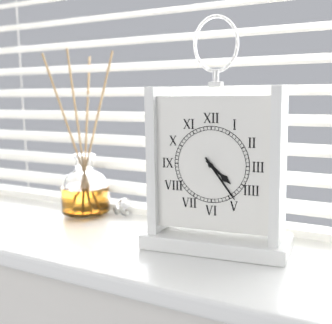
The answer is 4.24
